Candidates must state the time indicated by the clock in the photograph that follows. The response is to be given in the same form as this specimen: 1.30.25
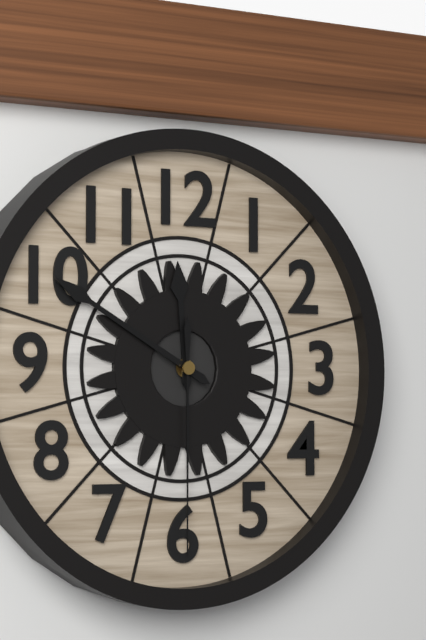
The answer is 11.50.30
